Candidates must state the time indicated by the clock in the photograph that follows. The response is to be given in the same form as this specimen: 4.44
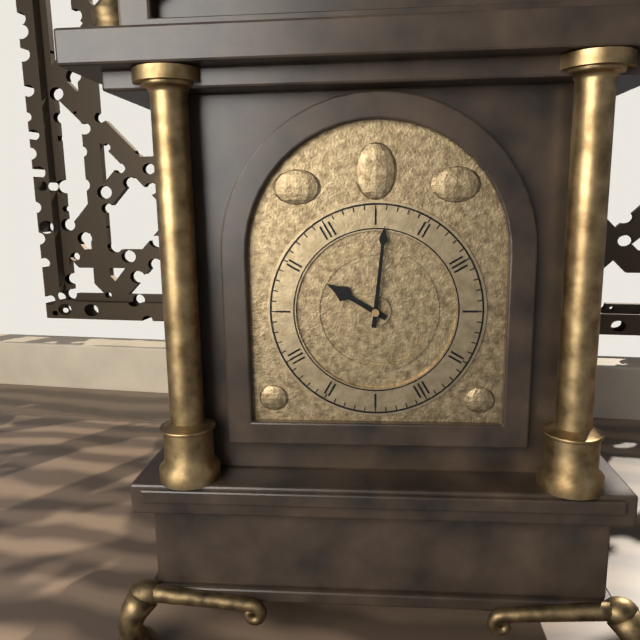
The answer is 10.01
